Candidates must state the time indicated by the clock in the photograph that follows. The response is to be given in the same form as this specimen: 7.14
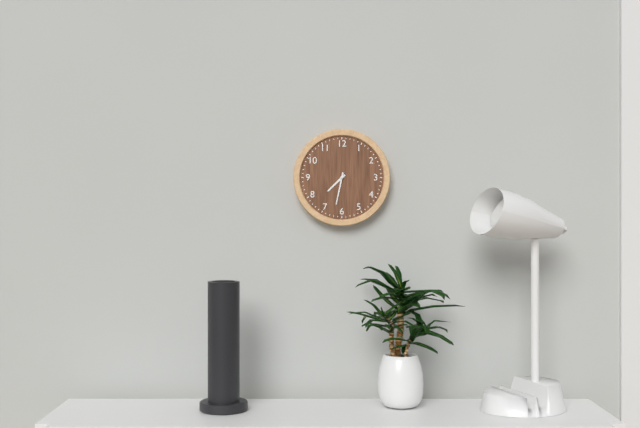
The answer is 7.32
